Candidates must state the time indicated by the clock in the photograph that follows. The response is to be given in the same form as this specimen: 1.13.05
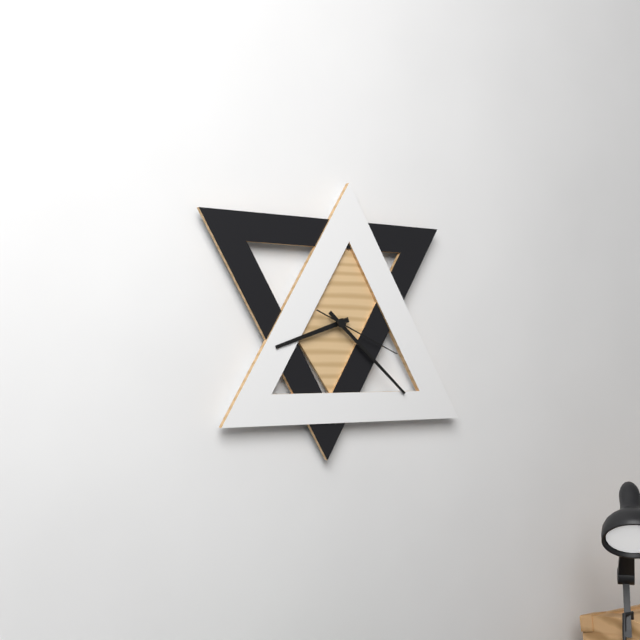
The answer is 8.22.19
